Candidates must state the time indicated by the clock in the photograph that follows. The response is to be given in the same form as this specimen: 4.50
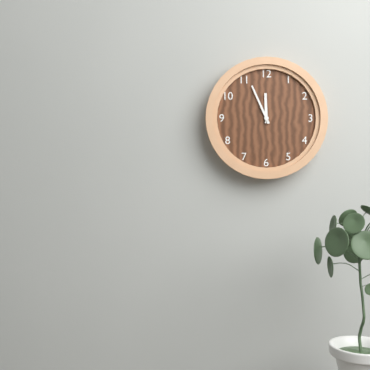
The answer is 11.56
